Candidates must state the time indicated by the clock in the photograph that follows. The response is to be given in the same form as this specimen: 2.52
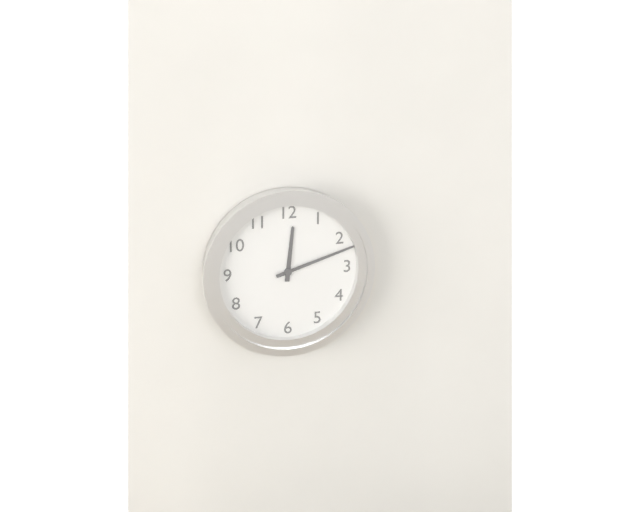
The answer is 12.12
